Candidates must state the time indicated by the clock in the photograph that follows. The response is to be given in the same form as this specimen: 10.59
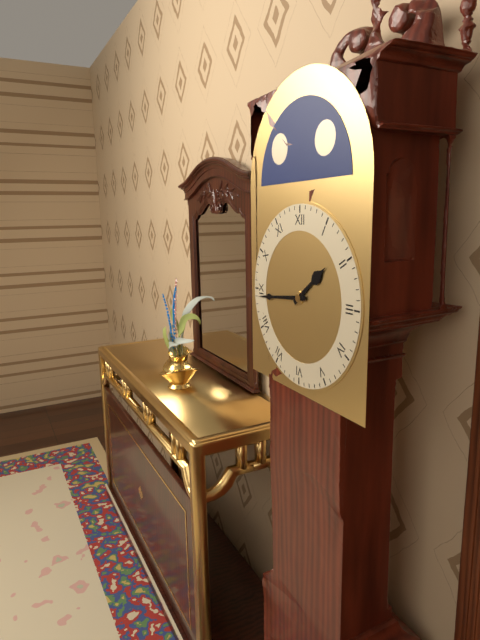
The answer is 1.44
